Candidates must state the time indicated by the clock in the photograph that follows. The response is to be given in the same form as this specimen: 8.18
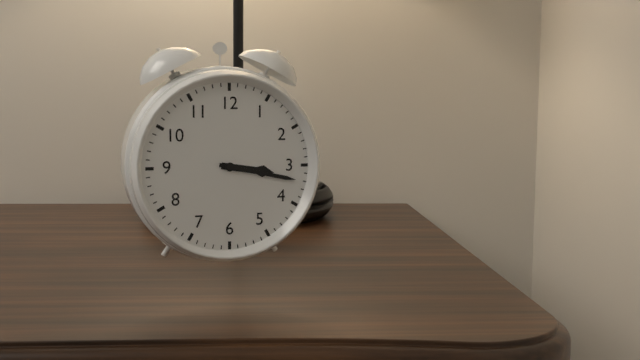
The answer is 3.17
